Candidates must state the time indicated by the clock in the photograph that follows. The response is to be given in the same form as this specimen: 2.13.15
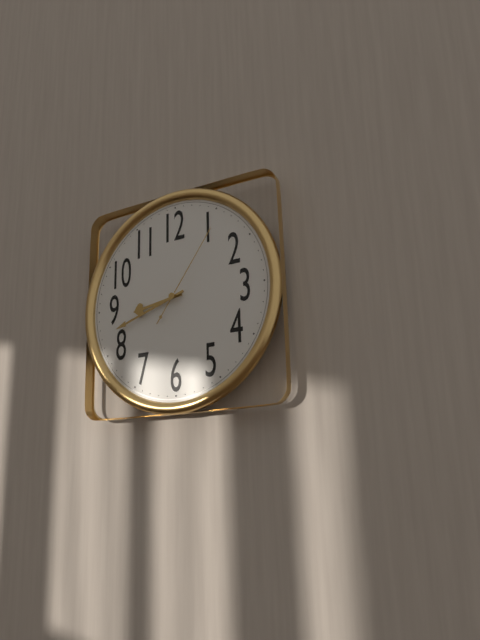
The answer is 8.42.06
